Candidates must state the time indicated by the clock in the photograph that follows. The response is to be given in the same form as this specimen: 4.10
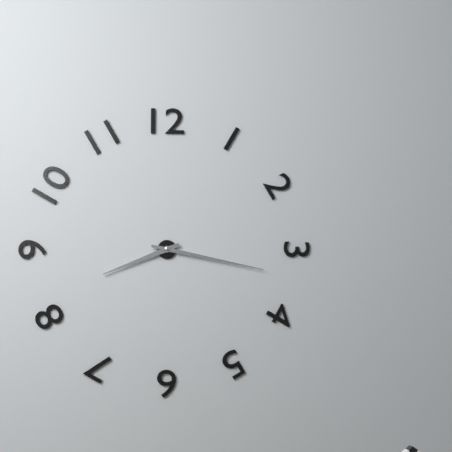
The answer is 8.17
